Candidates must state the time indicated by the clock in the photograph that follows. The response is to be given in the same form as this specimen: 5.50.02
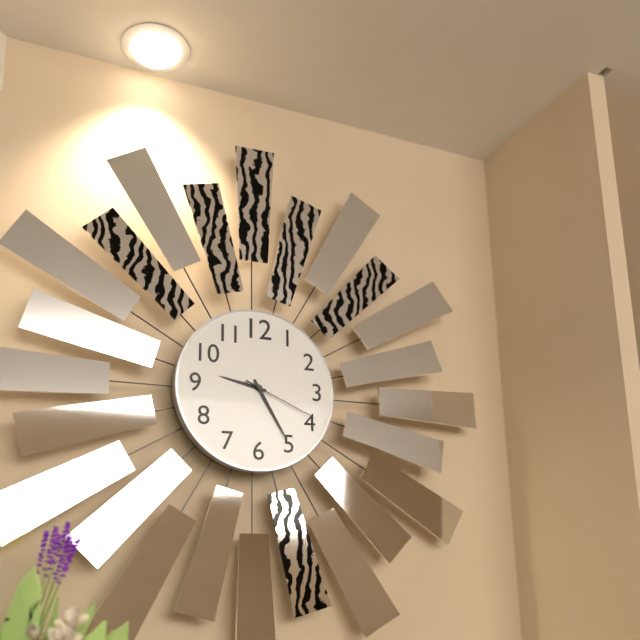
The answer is 9.25.19
